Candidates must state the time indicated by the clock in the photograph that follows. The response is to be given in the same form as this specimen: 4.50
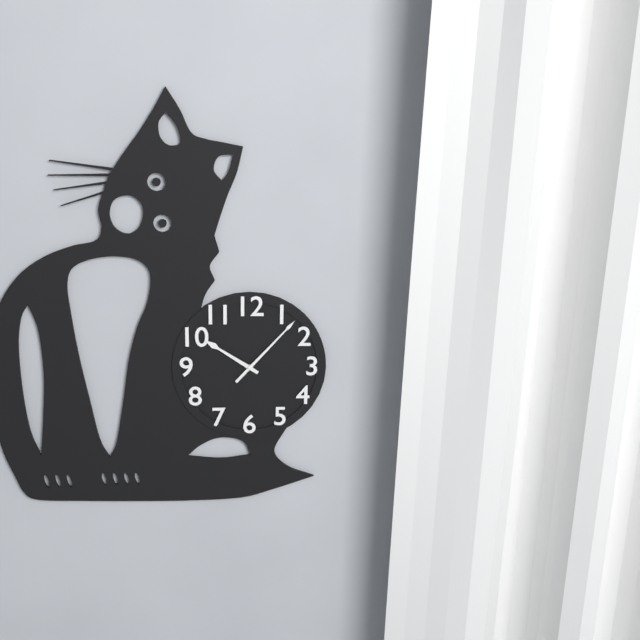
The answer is 10.07
